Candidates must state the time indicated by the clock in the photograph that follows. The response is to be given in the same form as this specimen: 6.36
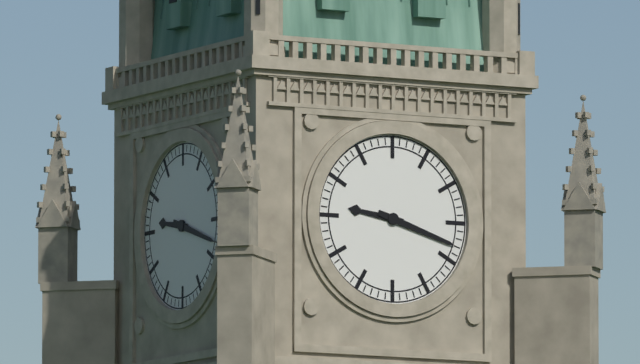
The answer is 9.18
